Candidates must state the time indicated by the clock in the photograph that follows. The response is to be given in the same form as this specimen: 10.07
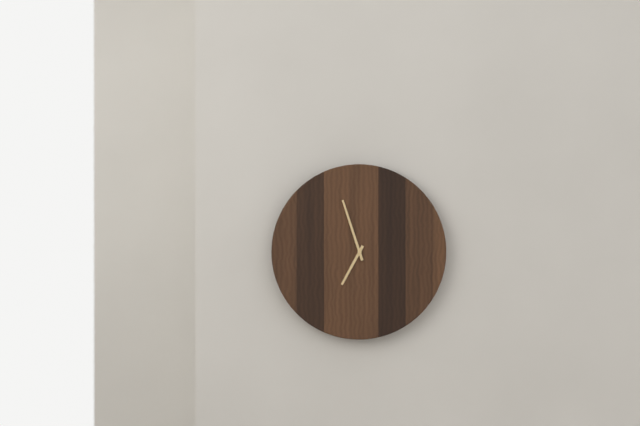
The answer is 6.57
